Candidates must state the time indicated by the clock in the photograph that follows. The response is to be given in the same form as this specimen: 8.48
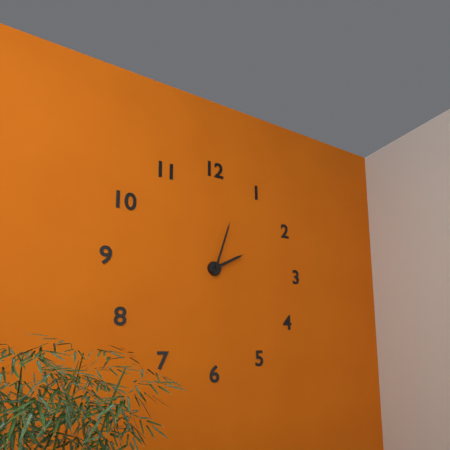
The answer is 2.03
